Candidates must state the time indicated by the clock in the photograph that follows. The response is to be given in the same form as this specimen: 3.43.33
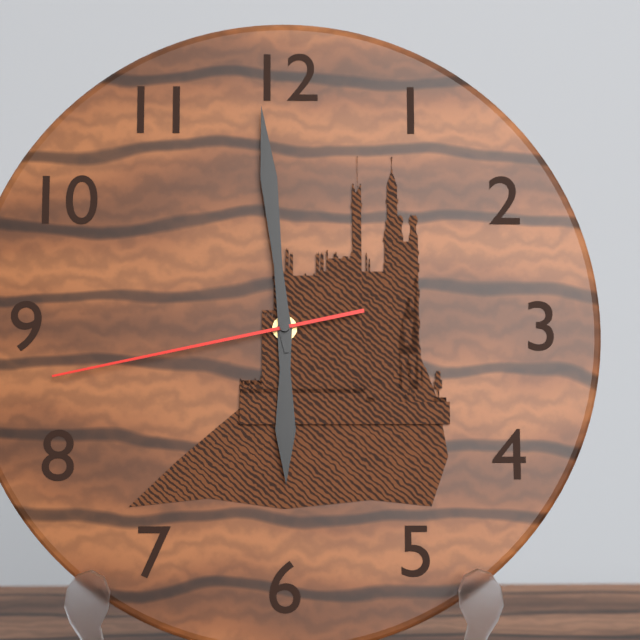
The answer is 5.59.43
